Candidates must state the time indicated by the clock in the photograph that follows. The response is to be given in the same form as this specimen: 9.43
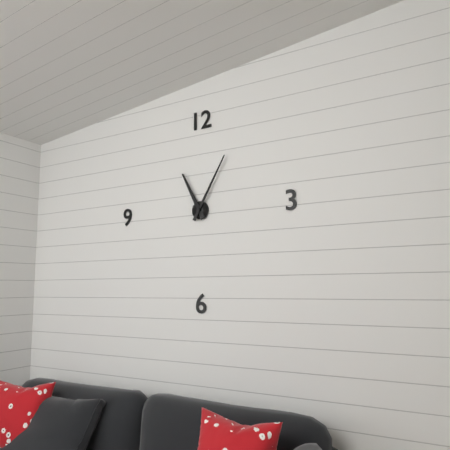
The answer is 11.05
